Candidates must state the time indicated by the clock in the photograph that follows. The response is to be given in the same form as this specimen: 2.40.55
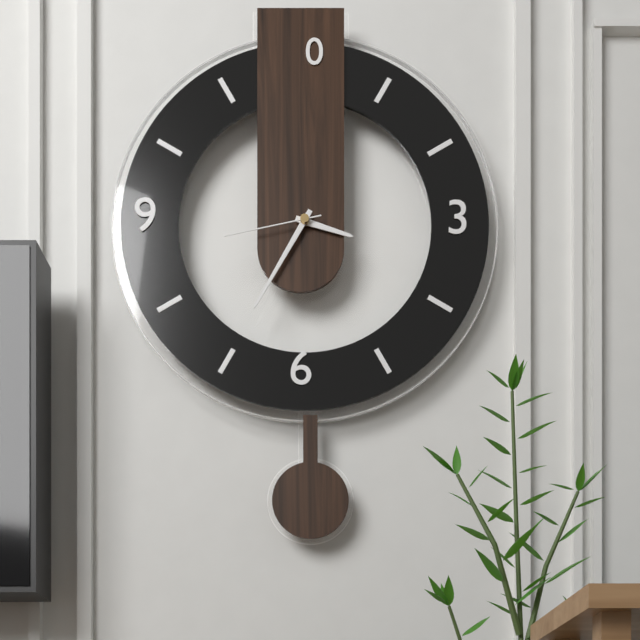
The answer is 3.35.43
